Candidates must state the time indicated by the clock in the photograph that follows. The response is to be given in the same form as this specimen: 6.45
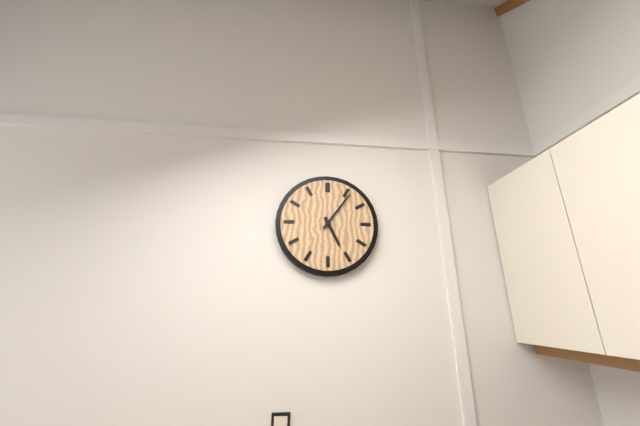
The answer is 5.06
